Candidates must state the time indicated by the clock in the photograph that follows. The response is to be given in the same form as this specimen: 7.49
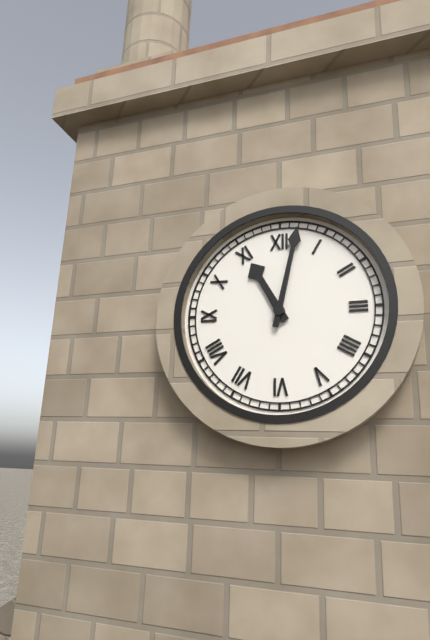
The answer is 11.02
